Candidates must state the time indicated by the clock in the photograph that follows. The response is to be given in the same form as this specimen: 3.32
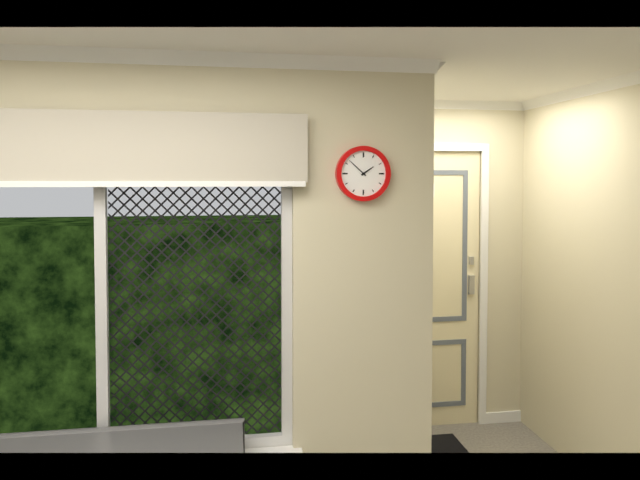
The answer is 1.52
